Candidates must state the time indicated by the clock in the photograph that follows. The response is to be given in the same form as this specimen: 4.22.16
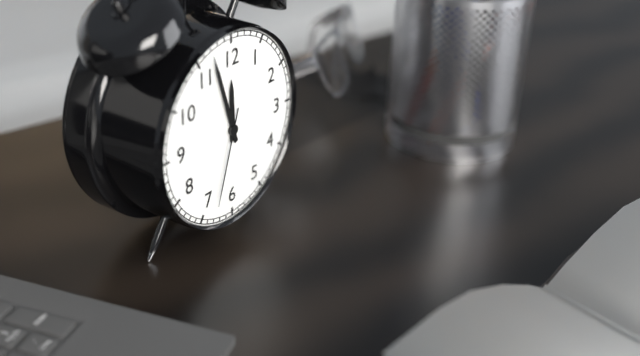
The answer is 11.57.33
